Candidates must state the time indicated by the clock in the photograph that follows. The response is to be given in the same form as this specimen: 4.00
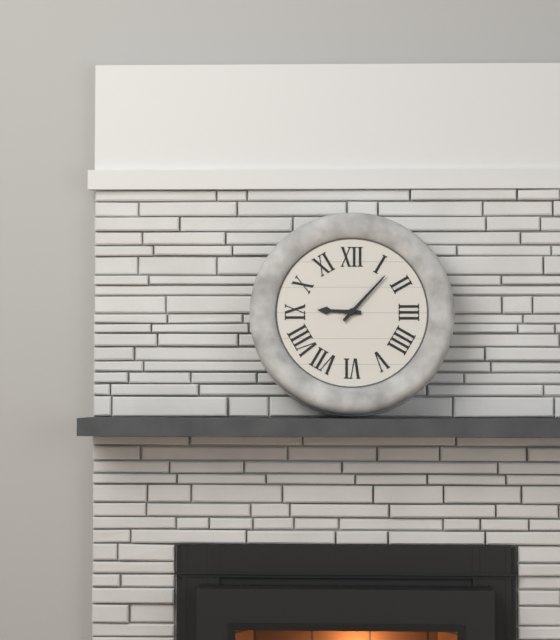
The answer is 9.07
